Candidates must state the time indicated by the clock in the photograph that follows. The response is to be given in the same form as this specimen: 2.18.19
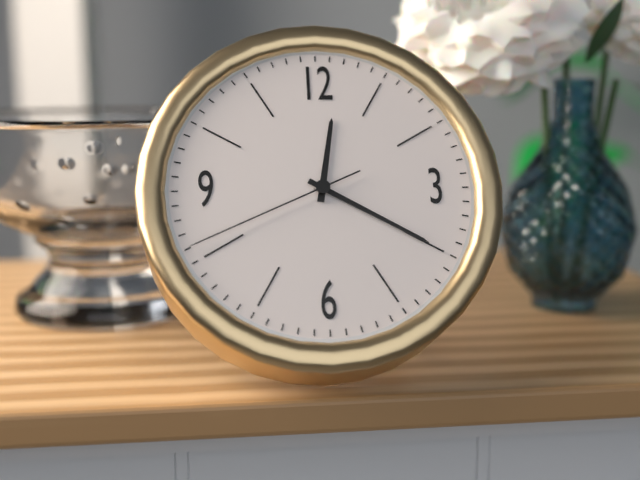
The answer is 12.20.41
